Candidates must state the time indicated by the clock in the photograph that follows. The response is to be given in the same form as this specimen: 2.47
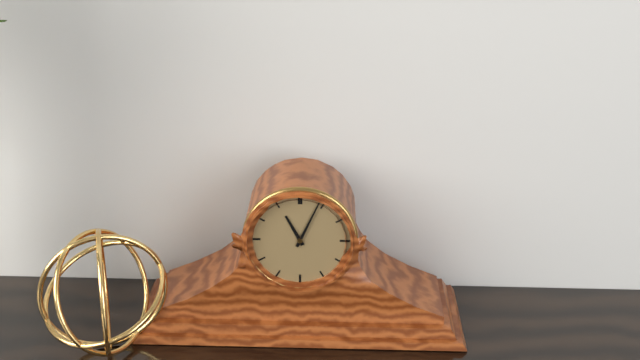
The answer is 11.04
